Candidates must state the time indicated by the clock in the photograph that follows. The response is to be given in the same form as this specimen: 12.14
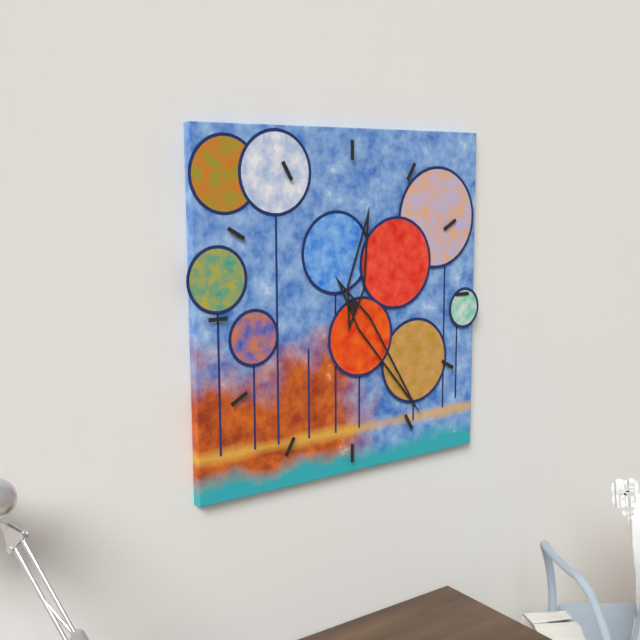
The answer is 12.24
